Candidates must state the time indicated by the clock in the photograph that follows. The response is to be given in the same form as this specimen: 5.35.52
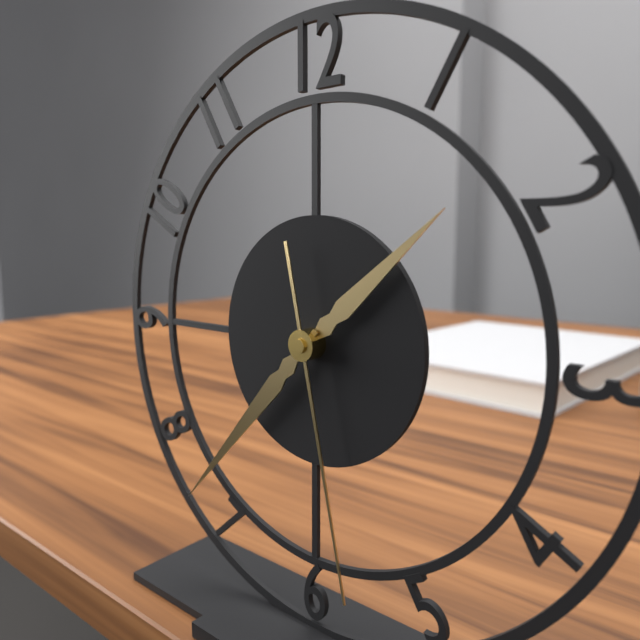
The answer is 1.37.28
